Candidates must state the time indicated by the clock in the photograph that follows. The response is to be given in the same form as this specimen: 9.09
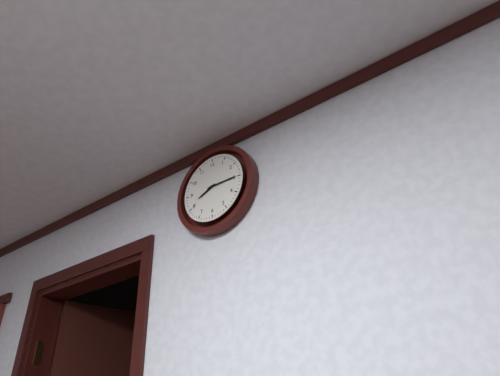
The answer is 8.15
